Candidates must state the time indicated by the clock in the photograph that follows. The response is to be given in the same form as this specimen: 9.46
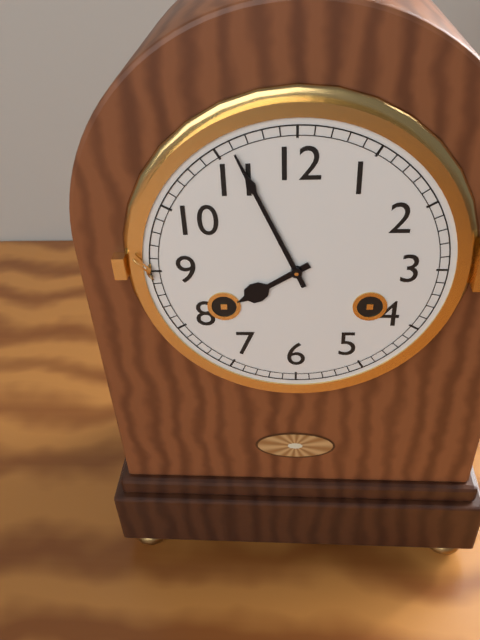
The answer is 7.56
